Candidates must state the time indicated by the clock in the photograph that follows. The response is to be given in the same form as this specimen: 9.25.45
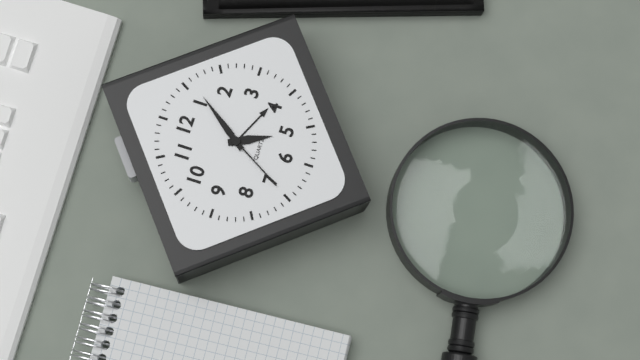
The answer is 5.06.35
